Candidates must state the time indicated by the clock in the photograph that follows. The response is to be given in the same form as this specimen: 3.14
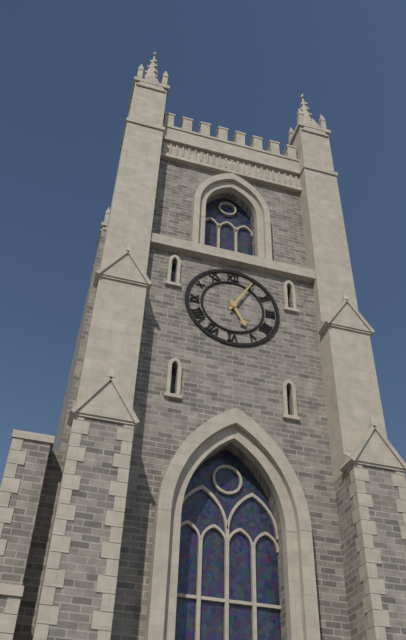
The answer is 5.05
